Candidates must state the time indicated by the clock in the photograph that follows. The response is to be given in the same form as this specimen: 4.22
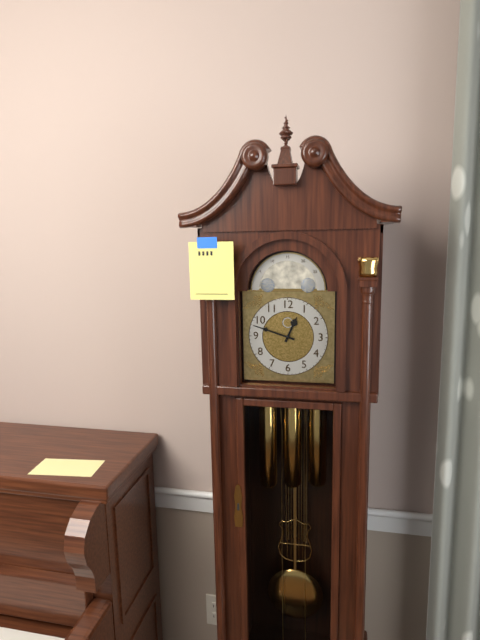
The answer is 12.48
